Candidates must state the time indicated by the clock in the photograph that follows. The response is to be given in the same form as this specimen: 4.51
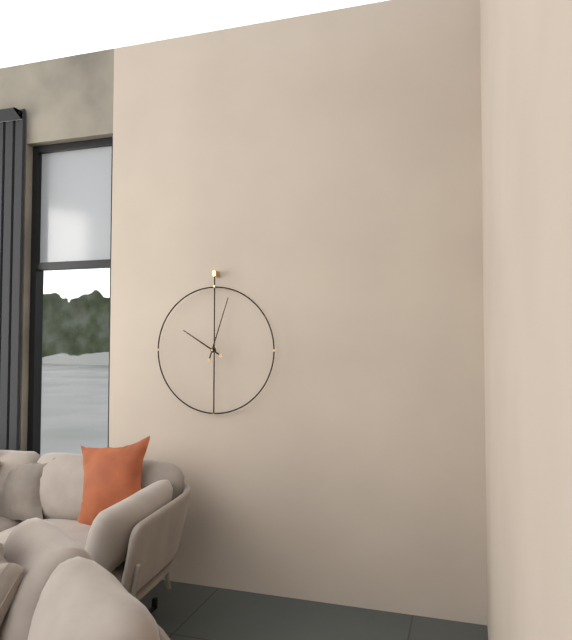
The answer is 10.03
